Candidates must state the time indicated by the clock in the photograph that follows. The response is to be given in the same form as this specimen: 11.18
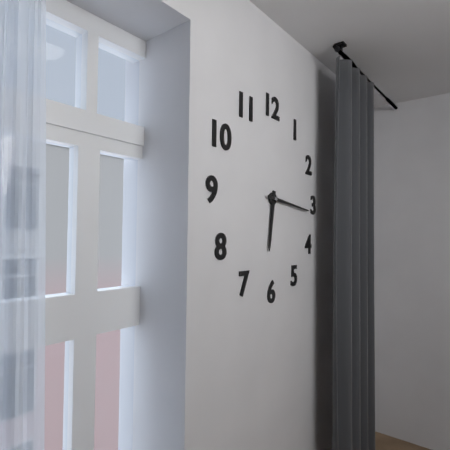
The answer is 6.16
